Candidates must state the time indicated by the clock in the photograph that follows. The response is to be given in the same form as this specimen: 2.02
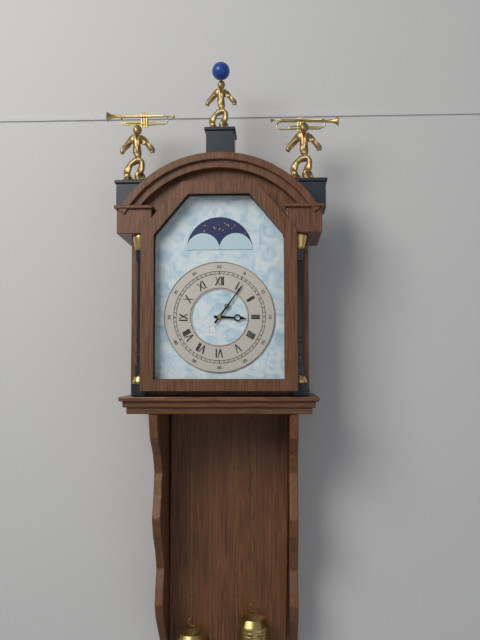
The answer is 3.06
